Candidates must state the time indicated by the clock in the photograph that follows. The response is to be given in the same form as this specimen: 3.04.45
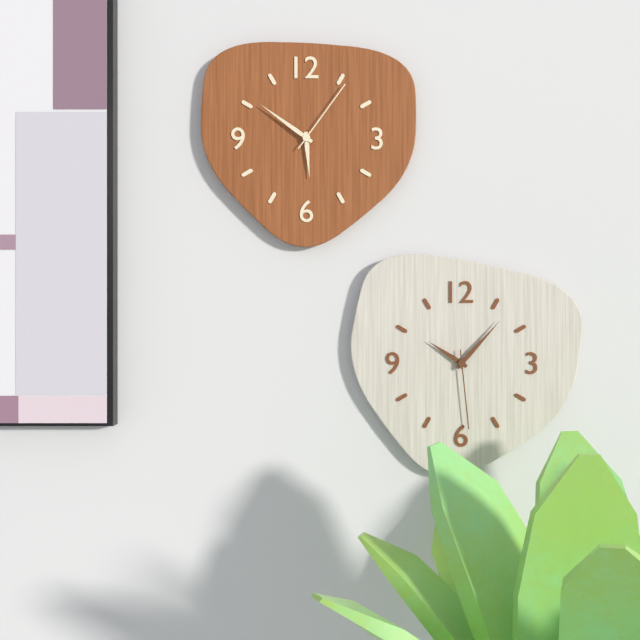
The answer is 5.51.06
